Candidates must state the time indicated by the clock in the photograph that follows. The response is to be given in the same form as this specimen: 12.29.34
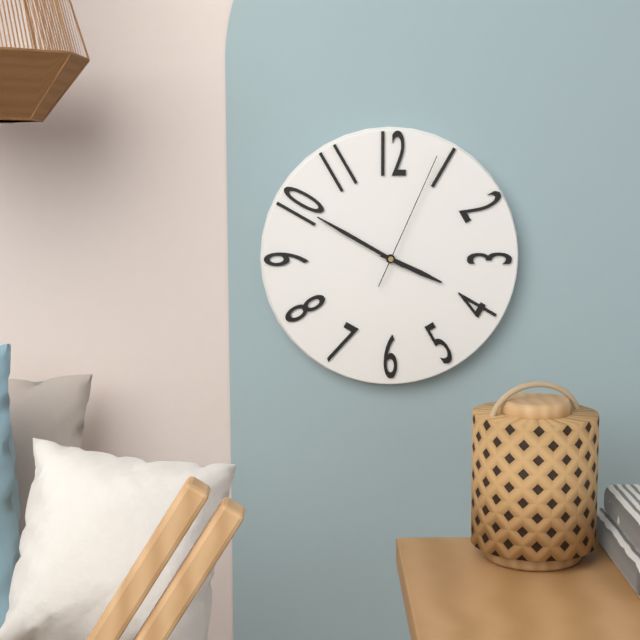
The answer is 3.50.04
